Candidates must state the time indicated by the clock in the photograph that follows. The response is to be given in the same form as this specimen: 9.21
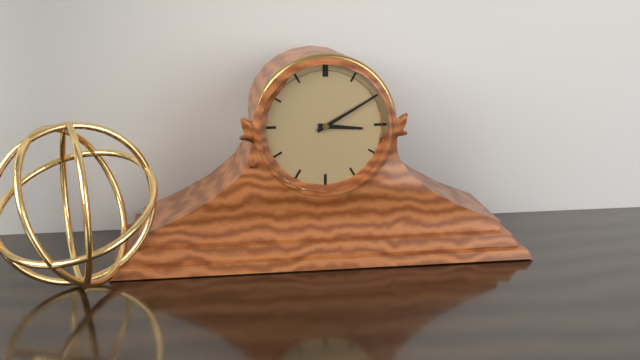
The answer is 3.10
